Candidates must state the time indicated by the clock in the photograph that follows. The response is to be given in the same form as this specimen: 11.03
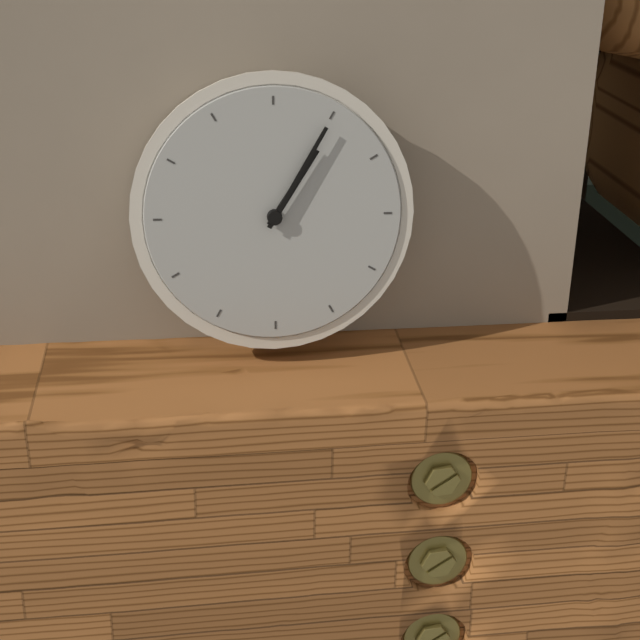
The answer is 1.05
